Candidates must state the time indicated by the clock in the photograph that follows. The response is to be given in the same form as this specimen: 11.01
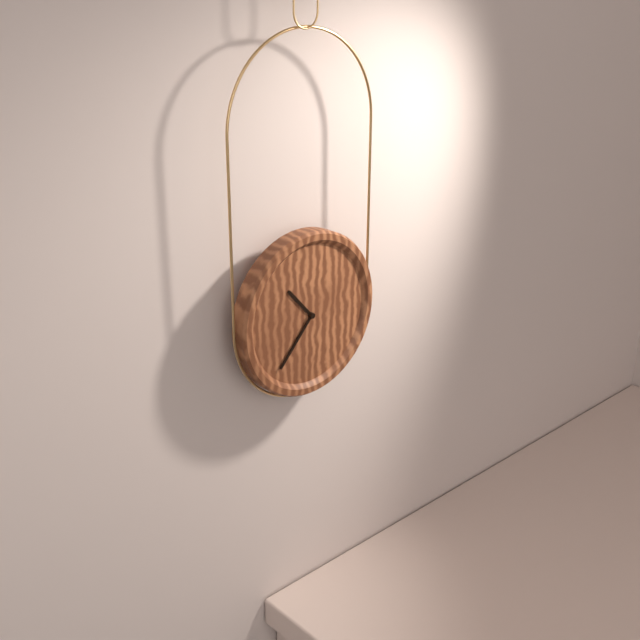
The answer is 10.37
